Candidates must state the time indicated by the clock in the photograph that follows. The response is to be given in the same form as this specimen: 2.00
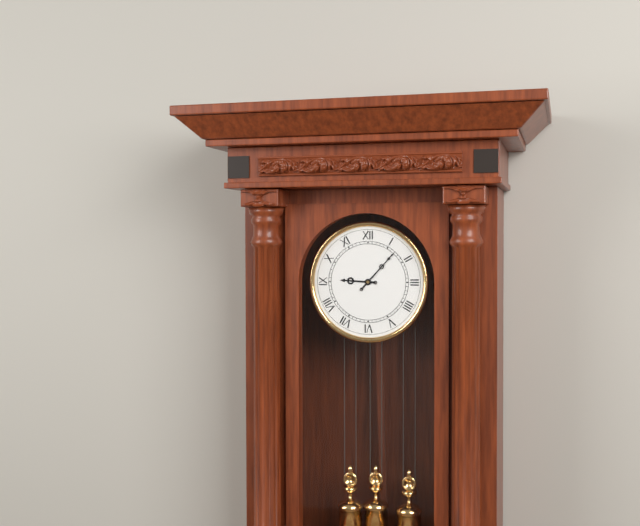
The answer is 9.07
